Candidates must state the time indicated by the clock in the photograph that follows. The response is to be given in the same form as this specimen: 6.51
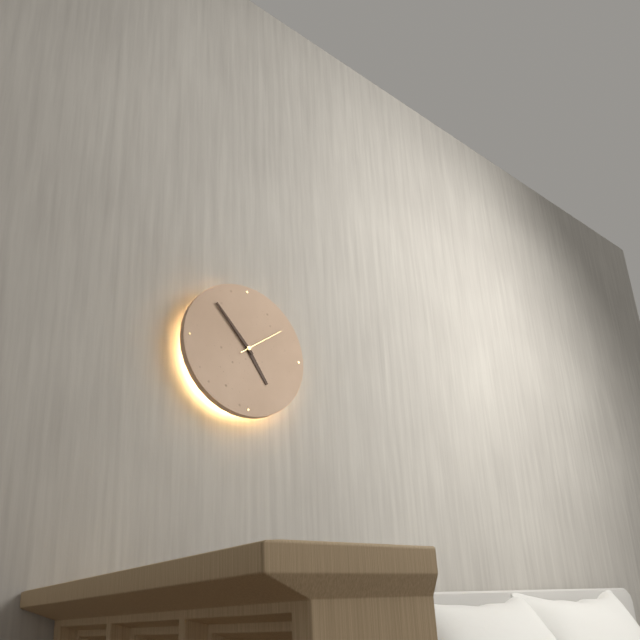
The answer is 4.53
